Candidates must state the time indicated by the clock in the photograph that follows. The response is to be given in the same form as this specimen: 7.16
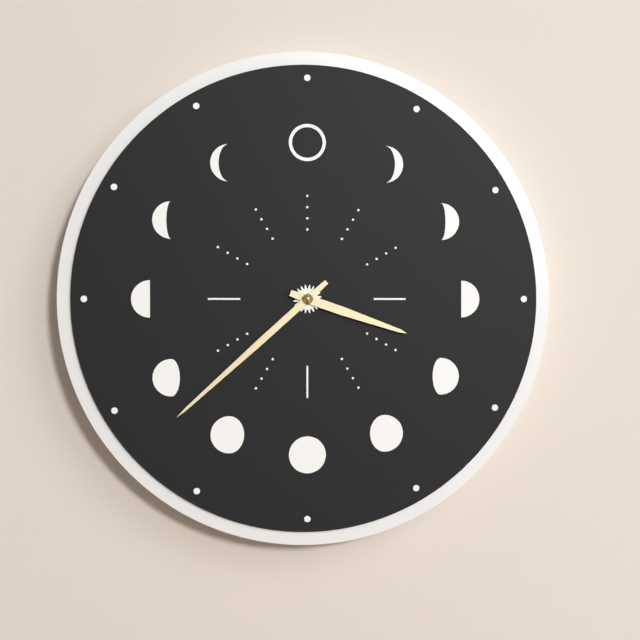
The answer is 3.38
